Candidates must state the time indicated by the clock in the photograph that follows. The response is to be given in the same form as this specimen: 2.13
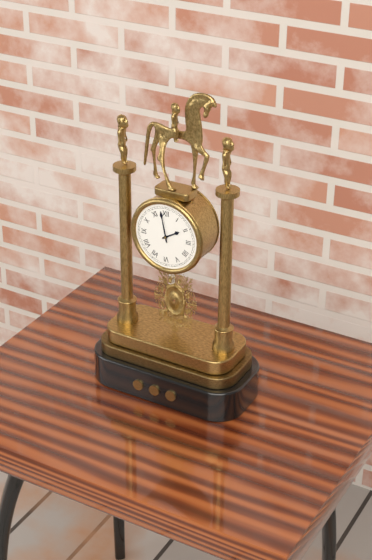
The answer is 1.58
